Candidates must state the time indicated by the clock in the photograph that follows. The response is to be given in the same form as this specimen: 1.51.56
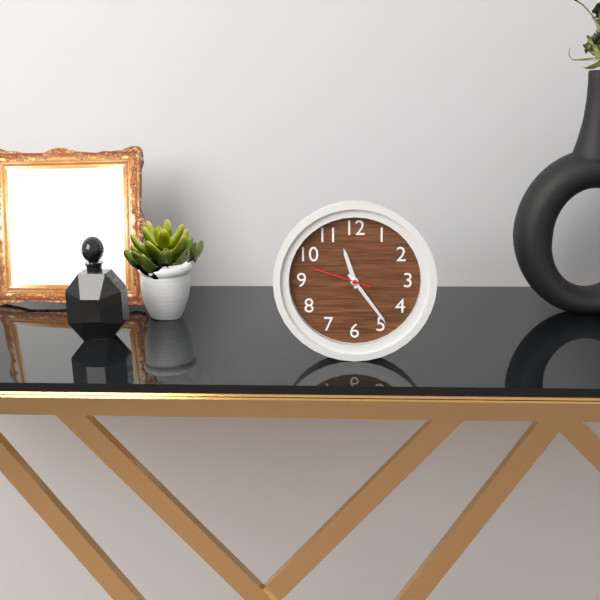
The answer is 11.24.48
